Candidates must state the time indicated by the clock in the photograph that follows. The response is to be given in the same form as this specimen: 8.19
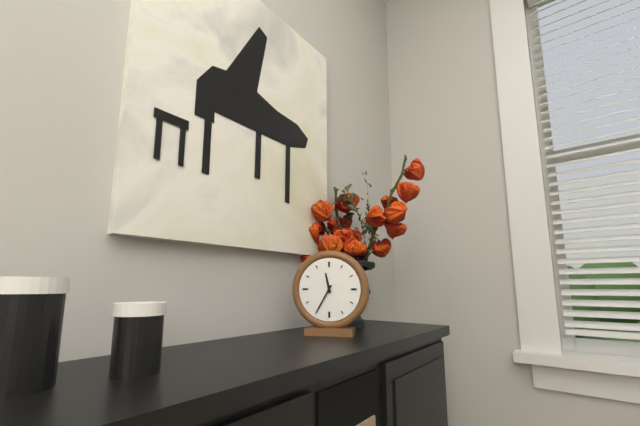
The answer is 11.35
